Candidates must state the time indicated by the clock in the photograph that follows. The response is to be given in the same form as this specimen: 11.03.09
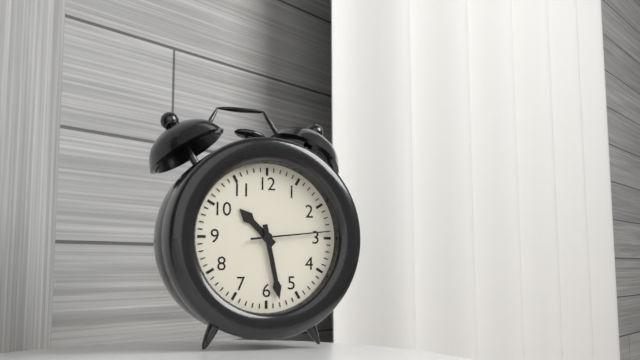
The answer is 10.28.14
